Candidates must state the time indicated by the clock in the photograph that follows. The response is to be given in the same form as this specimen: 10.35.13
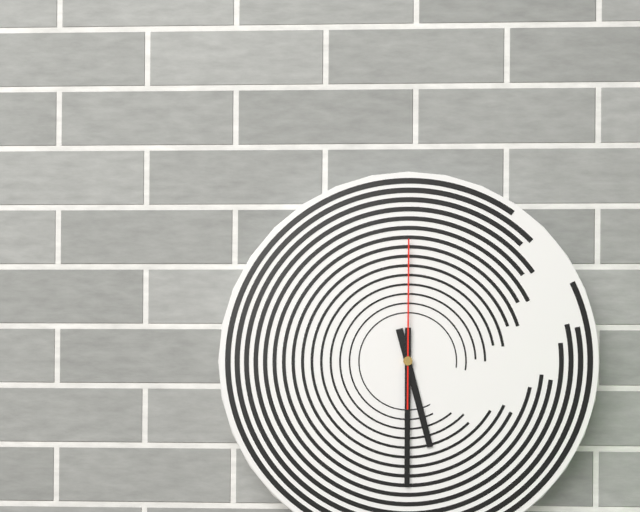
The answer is 5.30.00
